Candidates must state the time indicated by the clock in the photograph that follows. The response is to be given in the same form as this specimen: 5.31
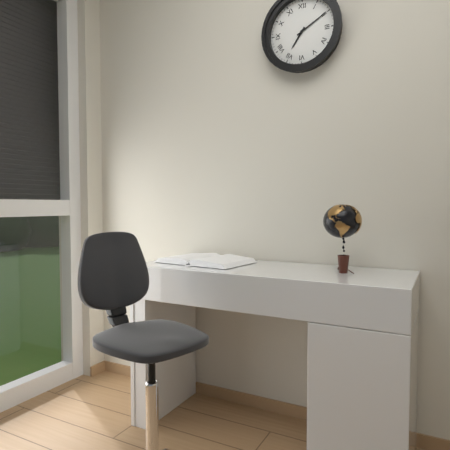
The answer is 7.10
